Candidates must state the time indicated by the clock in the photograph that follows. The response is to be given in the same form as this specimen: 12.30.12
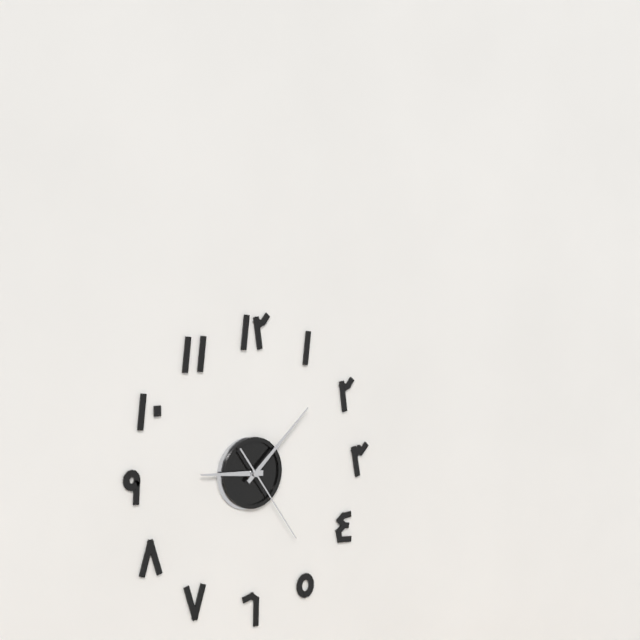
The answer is 9.08.24
